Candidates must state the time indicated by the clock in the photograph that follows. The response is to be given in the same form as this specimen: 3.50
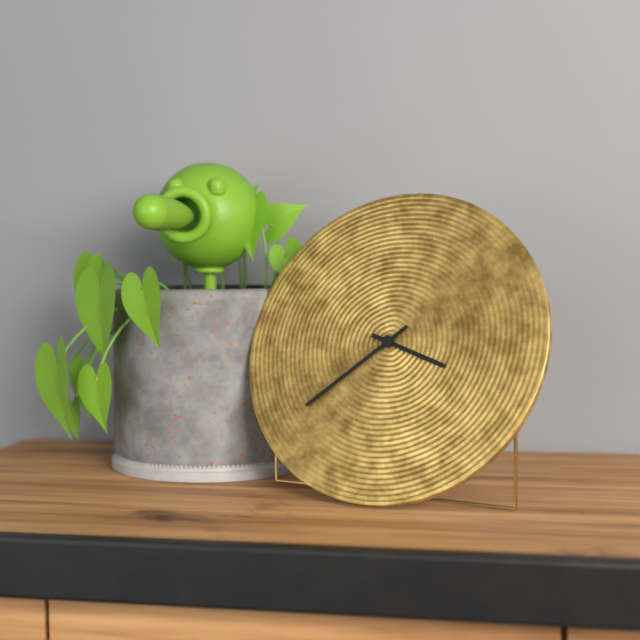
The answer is 3.38
